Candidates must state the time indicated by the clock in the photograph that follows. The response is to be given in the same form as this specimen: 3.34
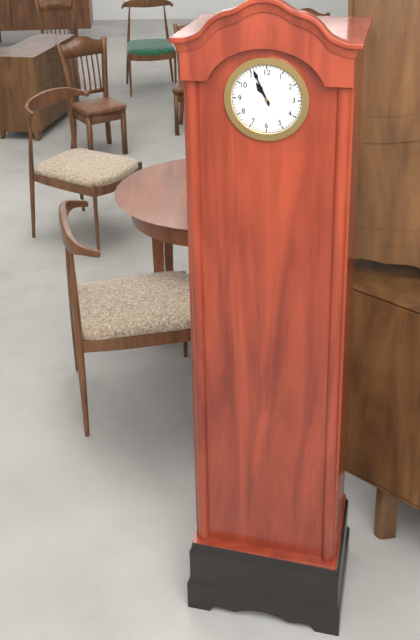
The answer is 10.56
